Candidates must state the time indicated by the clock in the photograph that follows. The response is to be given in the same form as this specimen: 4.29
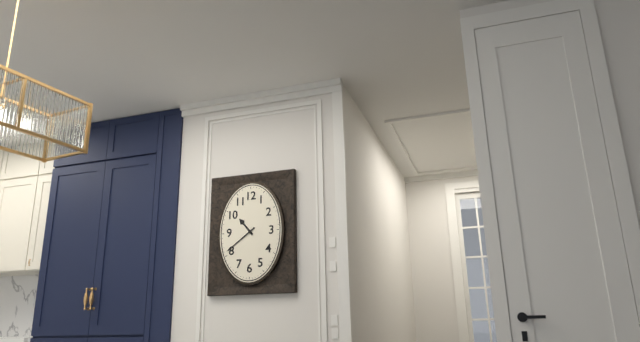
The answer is 10.39
